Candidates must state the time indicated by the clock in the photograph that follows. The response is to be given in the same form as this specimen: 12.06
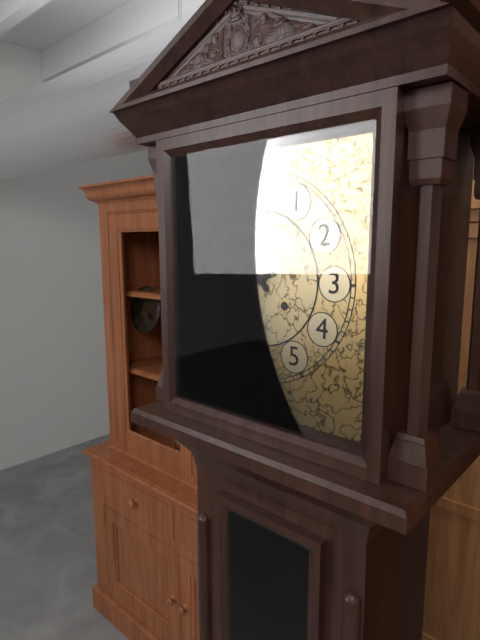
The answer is 10.41
